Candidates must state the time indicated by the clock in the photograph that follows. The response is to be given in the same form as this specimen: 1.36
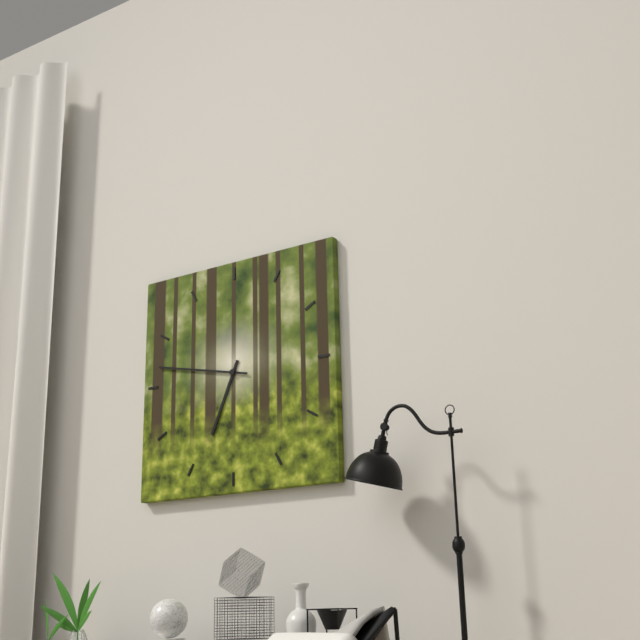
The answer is 6.47
